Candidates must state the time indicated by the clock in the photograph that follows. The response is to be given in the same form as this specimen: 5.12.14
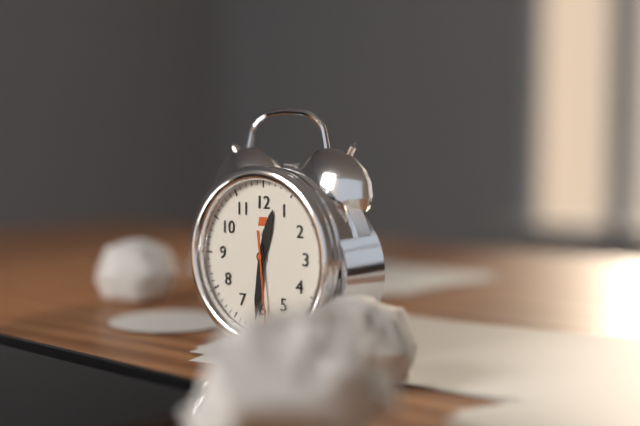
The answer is 12.31.29
